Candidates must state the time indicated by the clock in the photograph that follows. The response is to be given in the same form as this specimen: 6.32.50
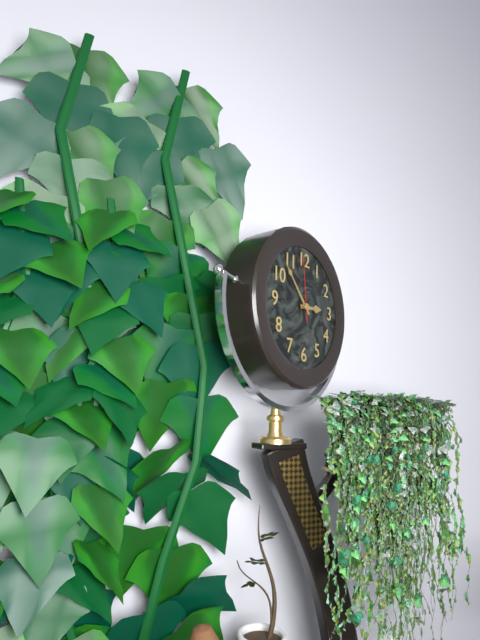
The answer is 2.53.59
